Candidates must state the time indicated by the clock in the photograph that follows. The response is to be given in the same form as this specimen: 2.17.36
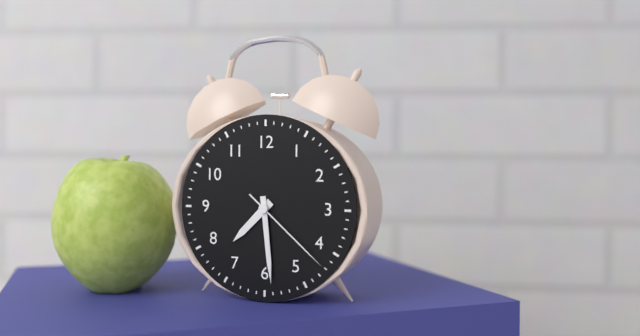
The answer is 7.29.22
